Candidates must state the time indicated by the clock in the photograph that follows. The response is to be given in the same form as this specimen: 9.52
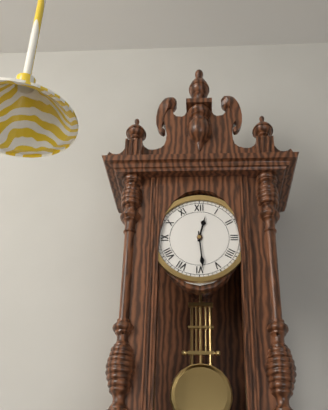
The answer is 12.29
